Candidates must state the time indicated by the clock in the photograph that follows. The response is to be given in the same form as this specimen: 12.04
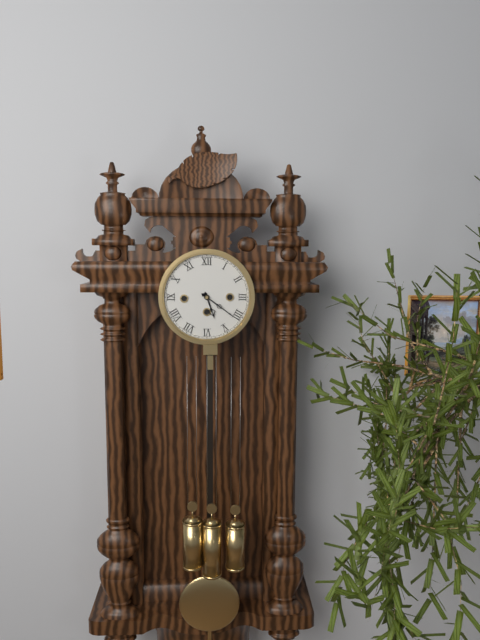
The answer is 5.21
